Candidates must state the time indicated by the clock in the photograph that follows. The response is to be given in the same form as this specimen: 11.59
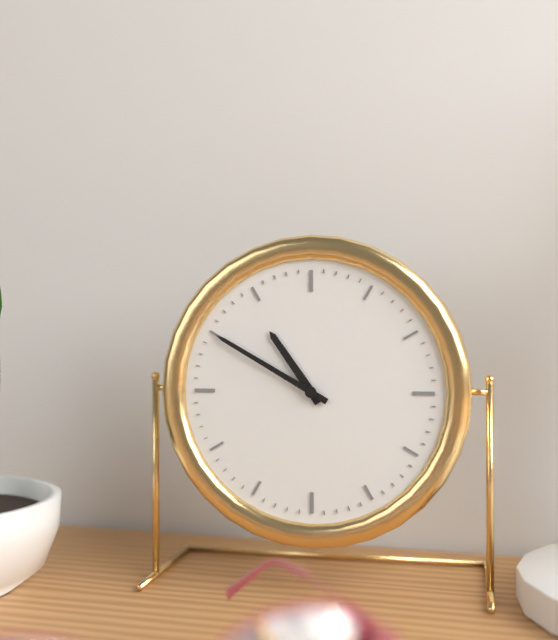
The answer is 10.50
